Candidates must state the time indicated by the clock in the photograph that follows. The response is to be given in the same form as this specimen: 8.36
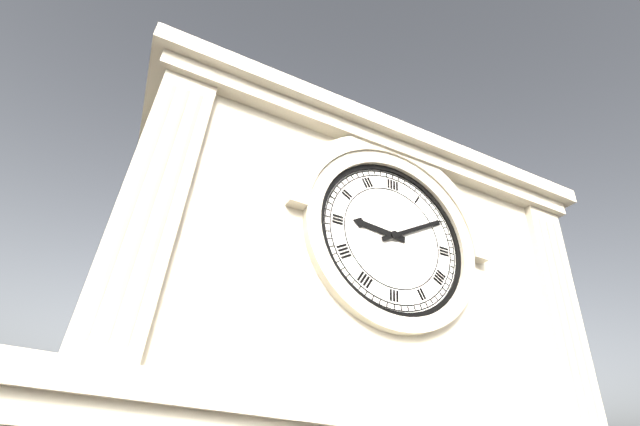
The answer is 9.10
